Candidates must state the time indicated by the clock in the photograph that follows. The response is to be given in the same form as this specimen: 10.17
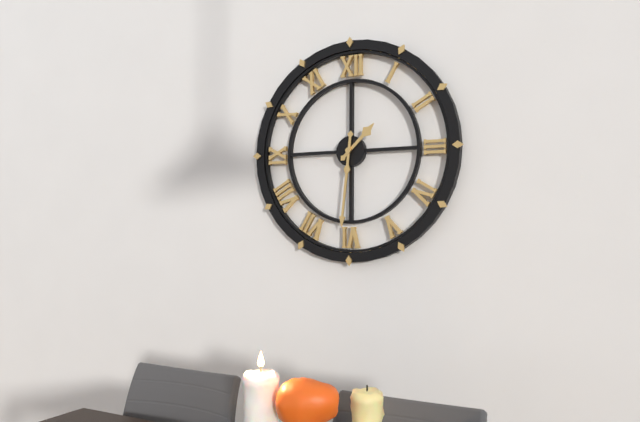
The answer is 1.31
